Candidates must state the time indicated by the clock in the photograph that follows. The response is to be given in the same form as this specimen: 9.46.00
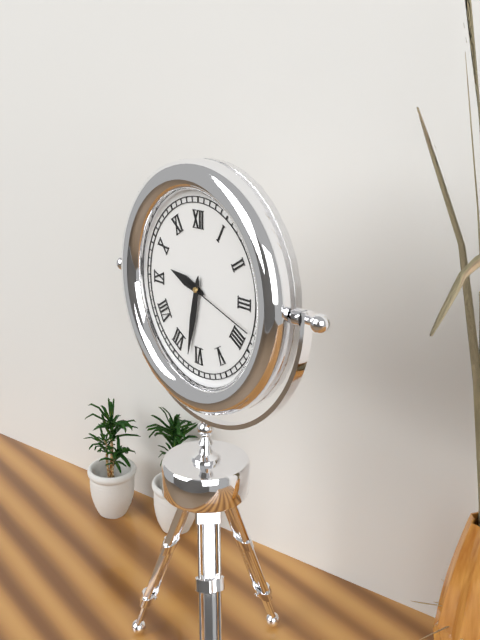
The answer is 9.32.18
